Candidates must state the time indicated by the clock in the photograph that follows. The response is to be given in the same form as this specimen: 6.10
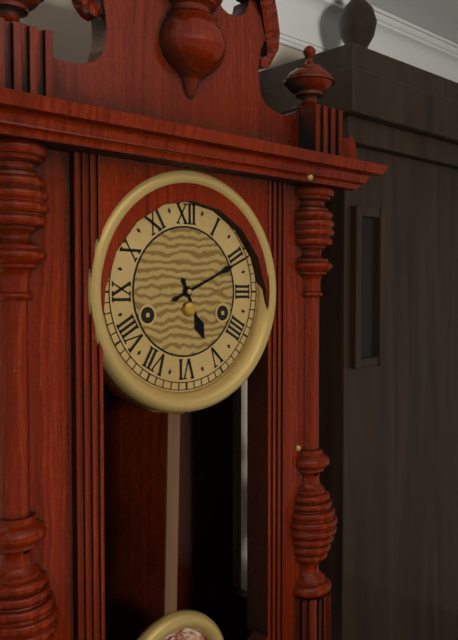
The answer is 5.11
